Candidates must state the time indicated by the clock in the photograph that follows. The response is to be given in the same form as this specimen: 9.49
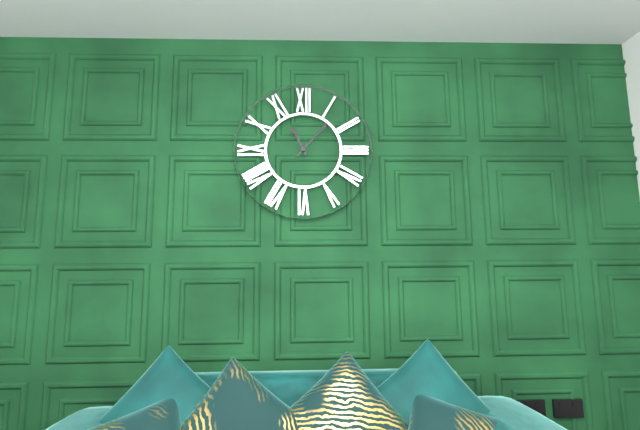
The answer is 11.07
